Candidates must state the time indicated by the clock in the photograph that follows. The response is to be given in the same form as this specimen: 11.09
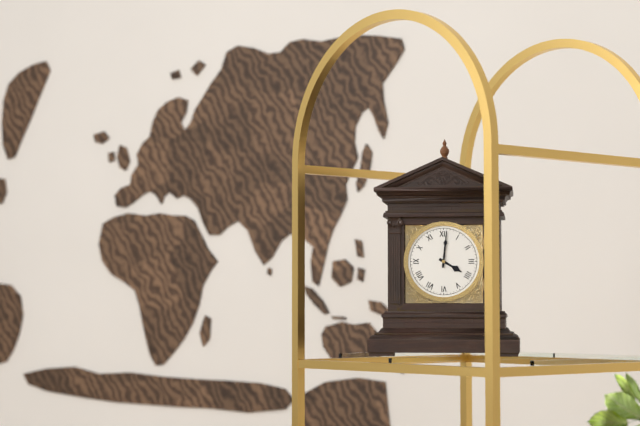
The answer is 4.01
